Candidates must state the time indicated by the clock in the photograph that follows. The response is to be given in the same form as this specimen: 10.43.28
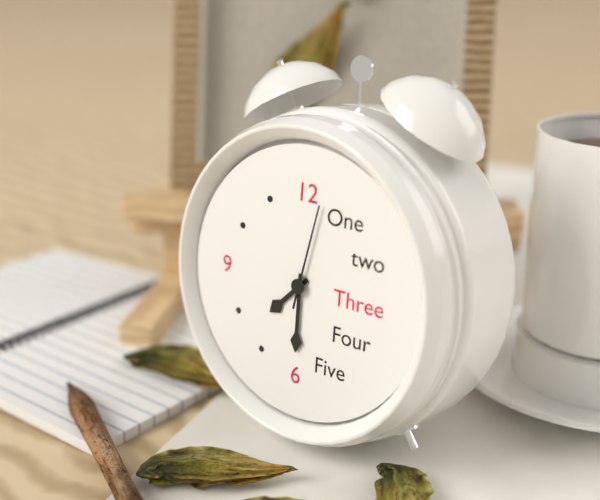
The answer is 7.30.02
